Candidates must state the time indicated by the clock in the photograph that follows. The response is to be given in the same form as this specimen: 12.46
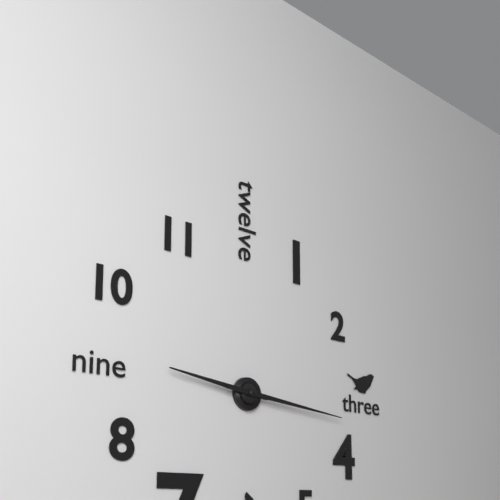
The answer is 9.16
